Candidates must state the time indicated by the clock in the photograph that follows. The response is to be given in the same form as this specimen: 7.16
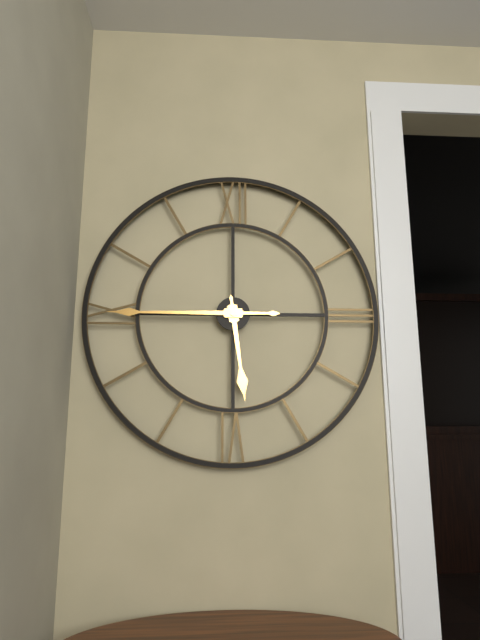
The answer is 5.45
